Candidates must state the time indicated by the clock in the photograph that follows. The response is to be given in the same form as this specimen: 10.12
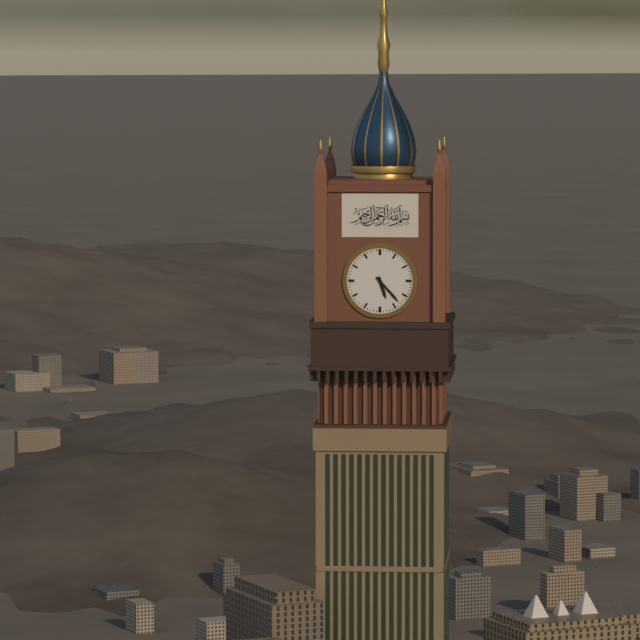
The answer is 5.23
